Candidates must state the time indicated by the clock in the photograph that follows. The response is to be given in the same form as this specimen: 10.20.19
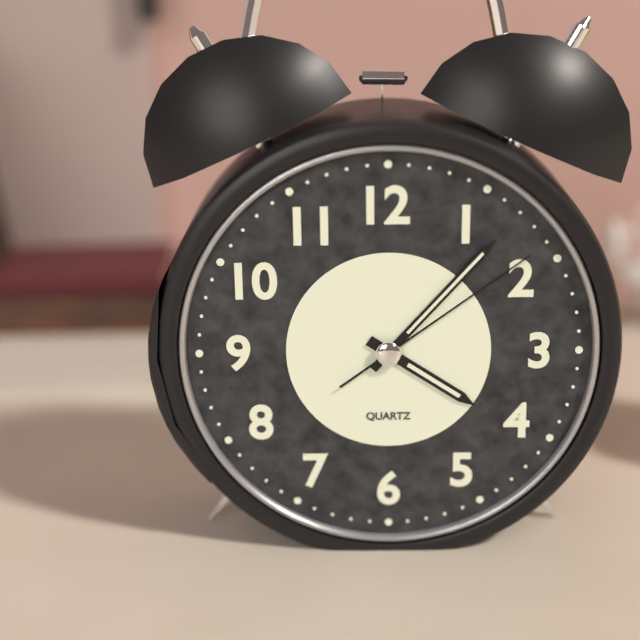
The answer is 4.07.09
